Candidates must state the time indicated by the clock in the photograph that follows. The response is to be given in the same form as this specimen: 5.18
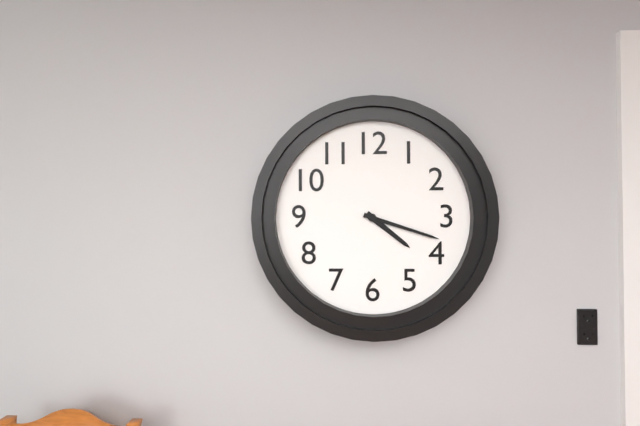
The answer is 4.18
